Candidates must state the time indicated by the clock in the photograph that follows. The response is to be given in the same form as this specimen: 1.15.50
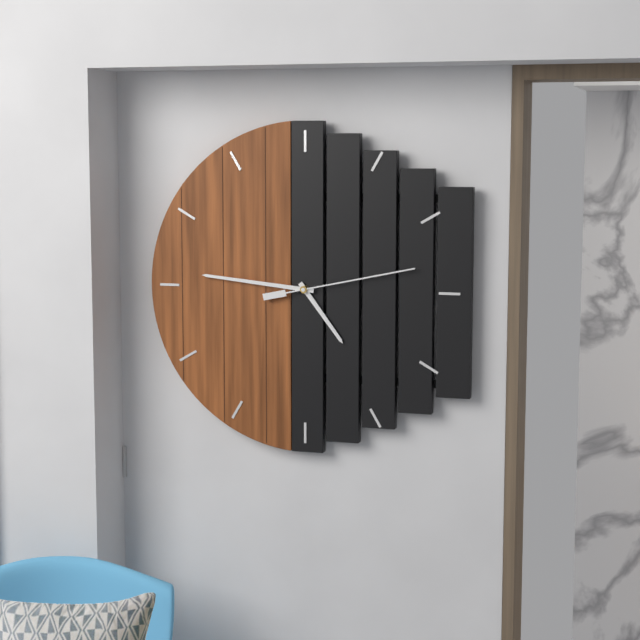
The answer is 4.46.13
